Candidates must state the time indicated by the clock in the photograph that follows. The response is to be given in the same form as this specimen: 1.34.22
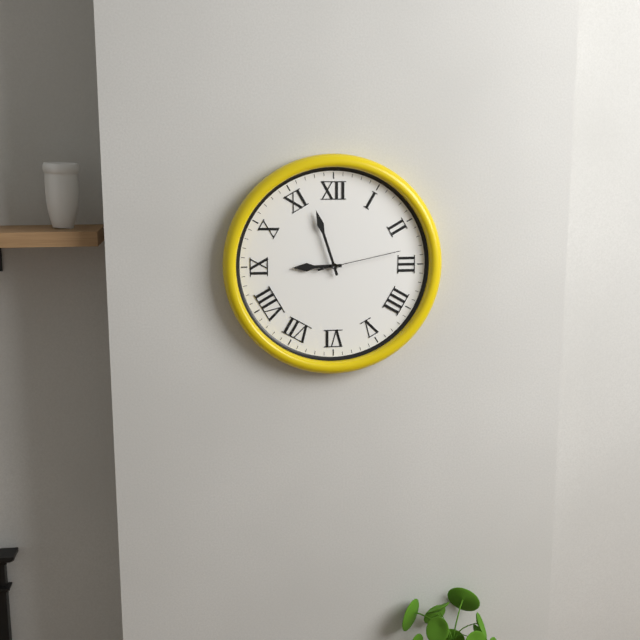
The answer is 8.57.13
